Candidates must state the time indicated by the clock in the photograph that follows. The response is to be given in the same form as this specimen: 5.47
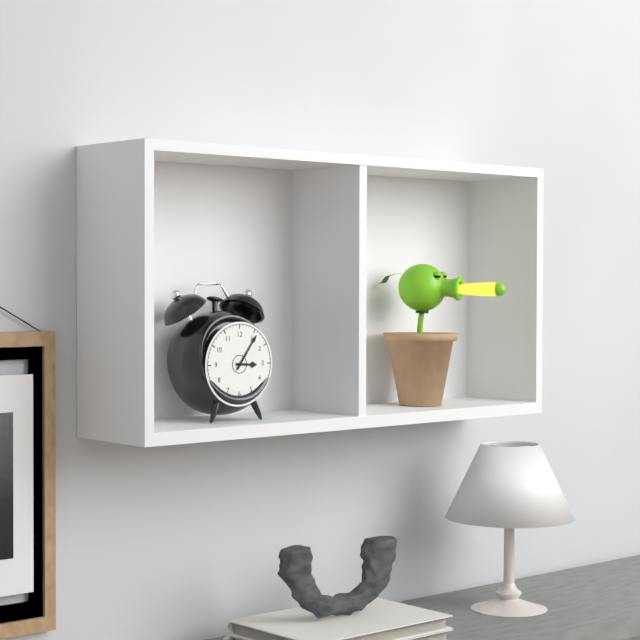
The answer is 3.06
